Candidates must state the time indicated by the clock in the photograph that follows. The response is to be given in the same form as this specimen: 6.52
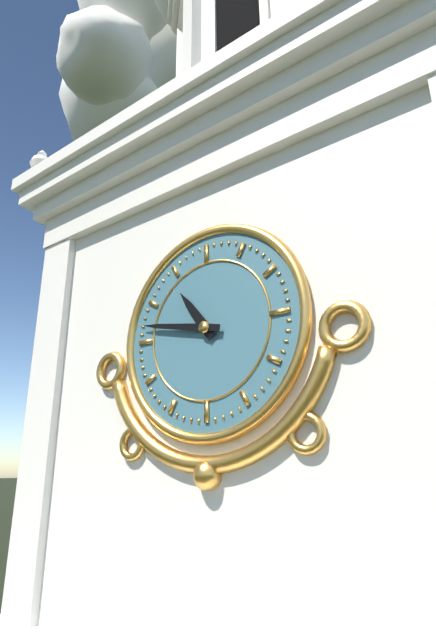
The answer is 10.47
